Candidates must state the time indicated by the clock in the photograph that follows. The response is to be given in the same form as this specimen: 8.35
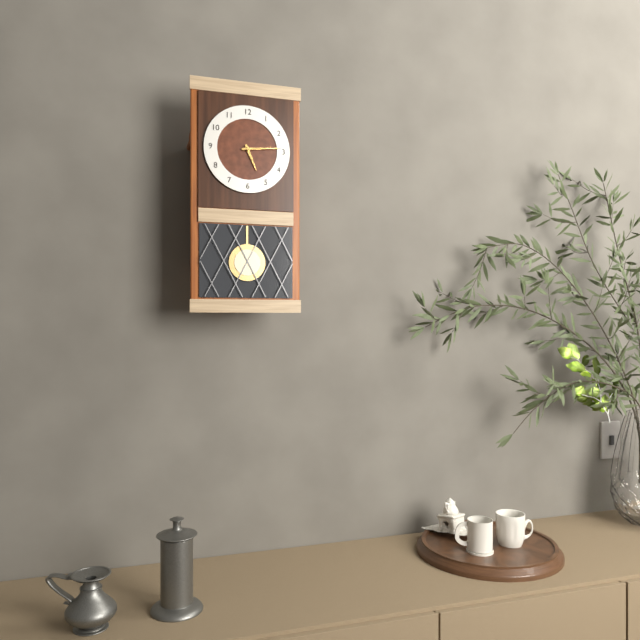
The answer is 5.14
